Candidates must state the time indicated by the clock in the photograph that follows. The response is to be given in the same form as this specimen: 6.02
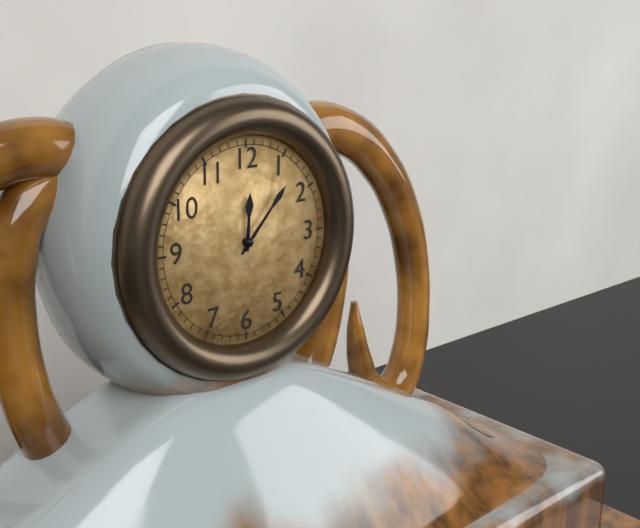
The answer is 12.07
